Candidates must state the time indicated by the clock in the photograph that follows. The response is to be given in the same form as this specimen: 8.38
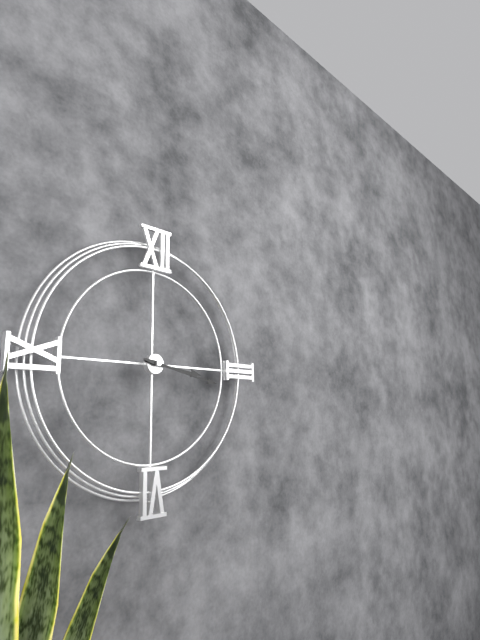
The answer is 3.17
